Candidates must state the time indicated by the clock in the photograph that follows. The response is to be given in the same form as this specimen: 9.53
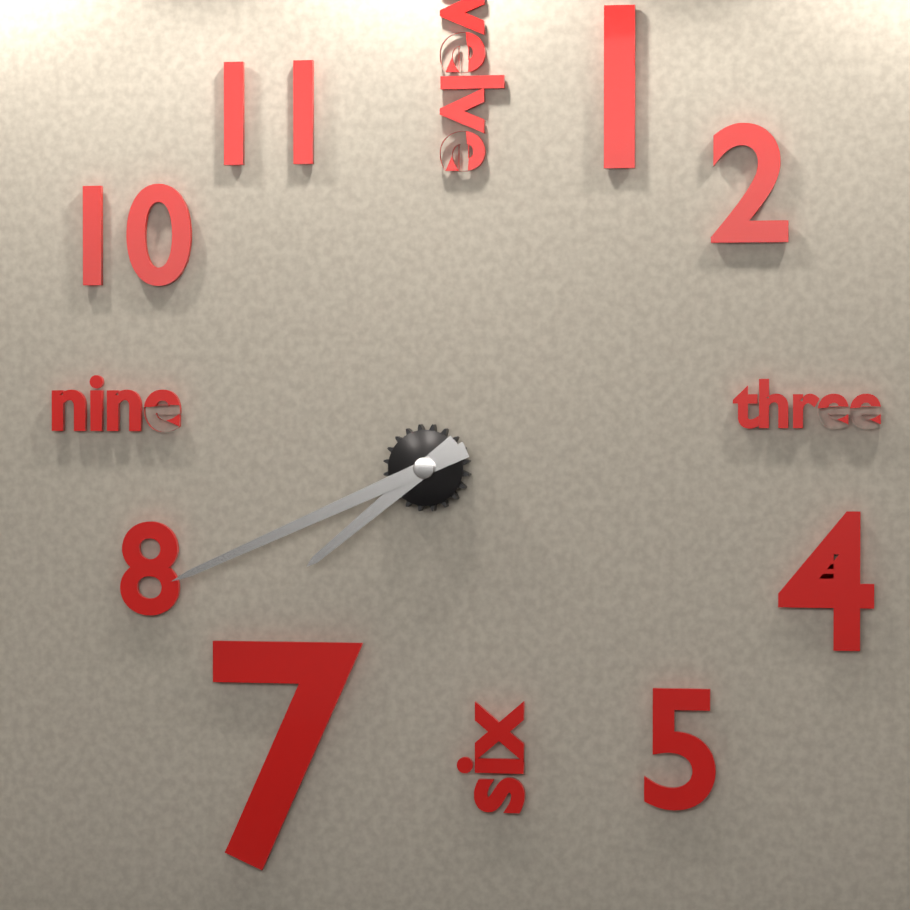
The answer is 7.41
